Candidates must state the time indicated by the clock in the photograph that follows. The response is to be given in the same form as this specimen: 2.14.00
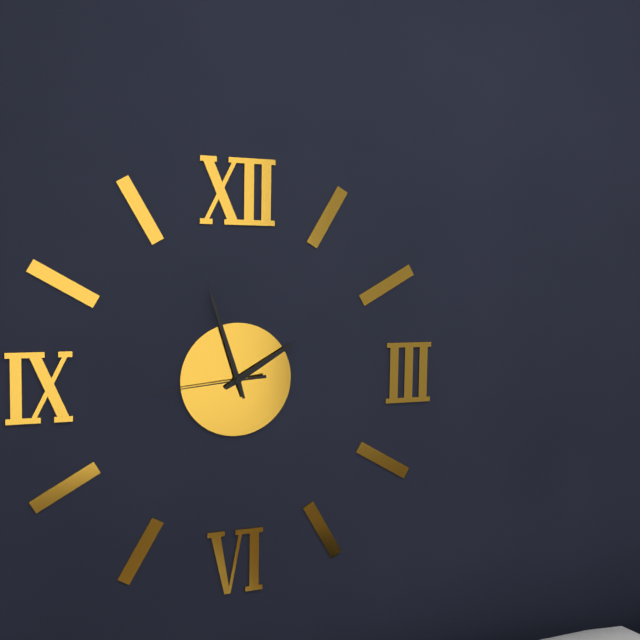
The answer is 1.57.44
